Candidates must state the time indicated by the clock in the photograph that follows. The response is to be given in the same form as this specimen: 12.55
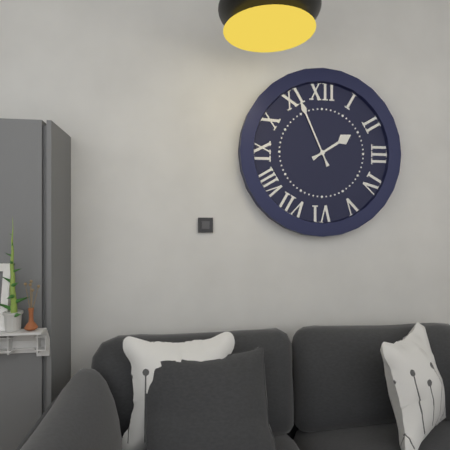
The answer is 1.56
